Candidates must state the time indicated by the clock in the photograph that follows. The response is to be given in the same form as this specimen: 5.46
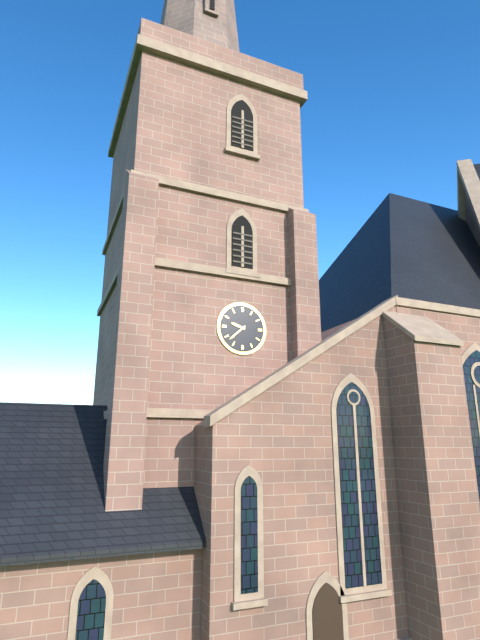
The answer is 9.38
